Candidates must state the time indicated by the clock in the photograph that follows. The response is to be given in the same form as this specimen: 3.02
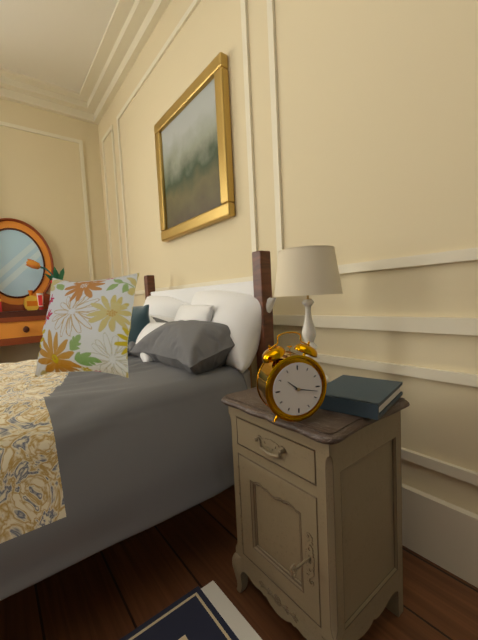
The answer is 10.17
